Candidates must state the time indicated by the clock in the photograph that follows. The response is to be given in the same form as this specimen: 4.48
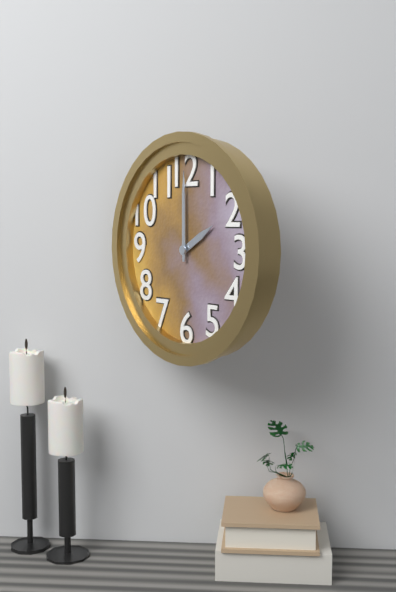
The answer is 2.00
